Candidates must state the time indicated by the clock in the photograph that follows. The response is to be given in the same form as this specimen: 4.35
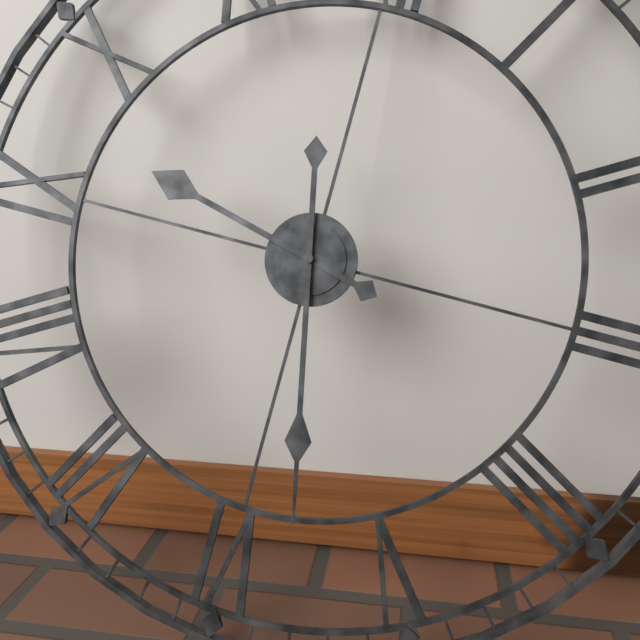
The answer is 9.28
